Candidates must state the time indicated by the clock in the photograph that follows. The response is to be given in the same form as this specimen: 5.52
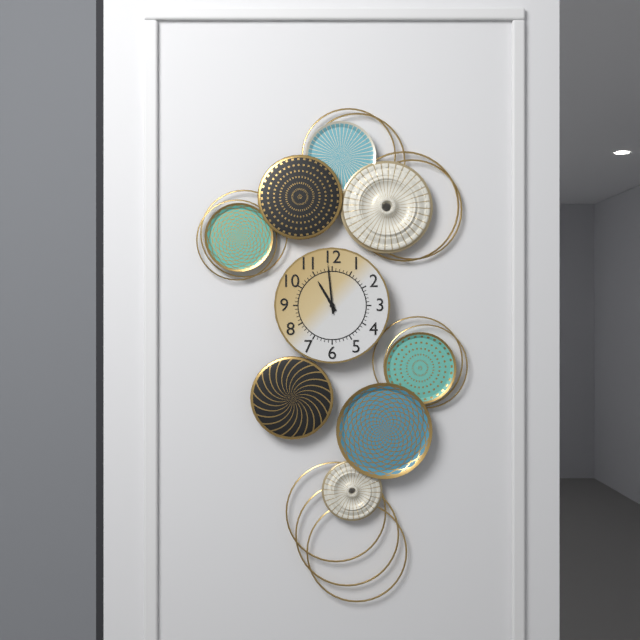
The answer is 10.59
